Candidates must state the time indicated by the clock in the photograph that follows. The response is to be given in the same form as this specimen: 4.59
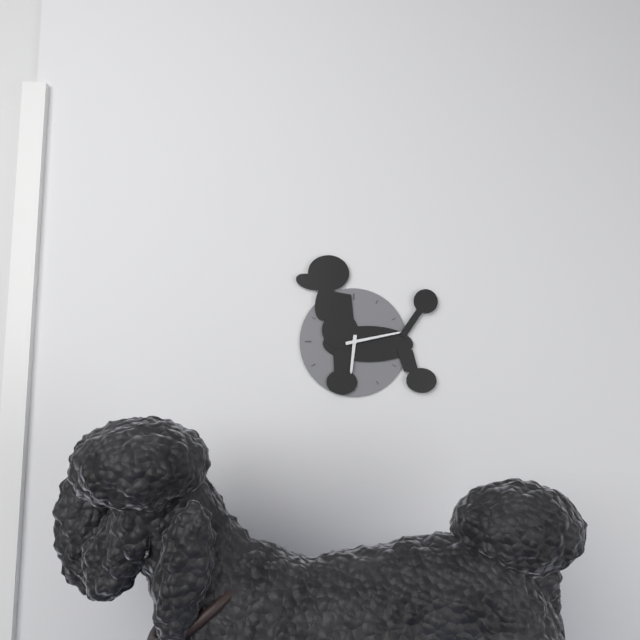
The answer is 6.13
